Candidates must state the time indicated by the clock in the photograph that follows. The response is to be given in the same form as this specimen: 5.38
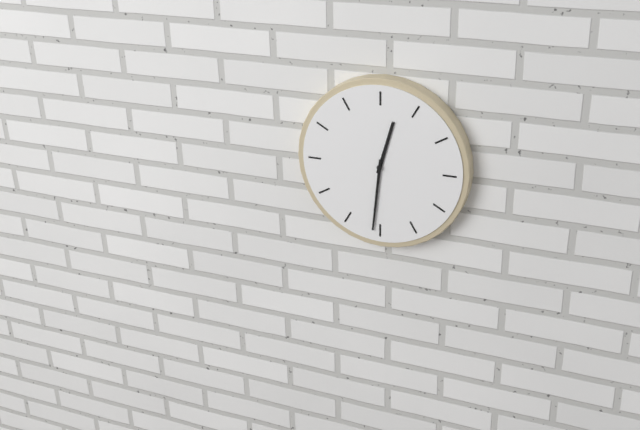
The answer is 12.31
